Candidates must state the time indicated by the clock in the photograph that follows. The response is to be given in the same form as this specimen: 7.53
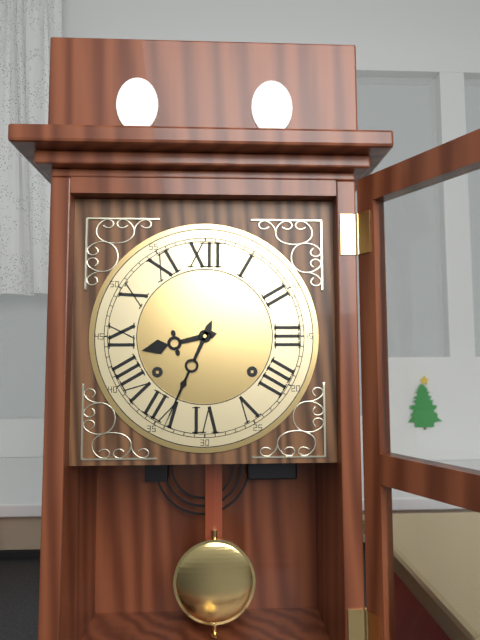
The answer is 8.34
